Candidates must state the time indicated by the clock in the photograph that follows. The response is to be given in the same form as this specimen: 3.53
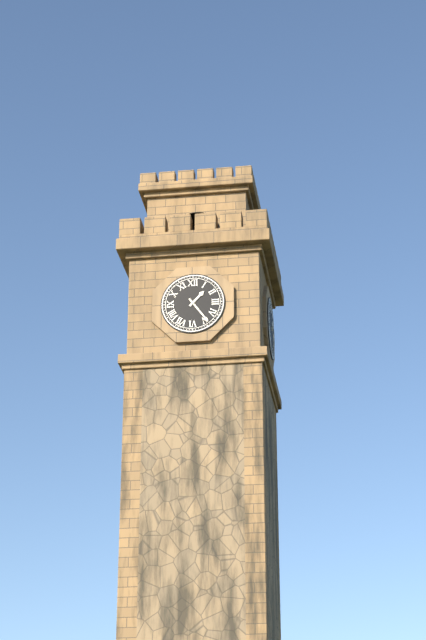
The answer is 1.24
